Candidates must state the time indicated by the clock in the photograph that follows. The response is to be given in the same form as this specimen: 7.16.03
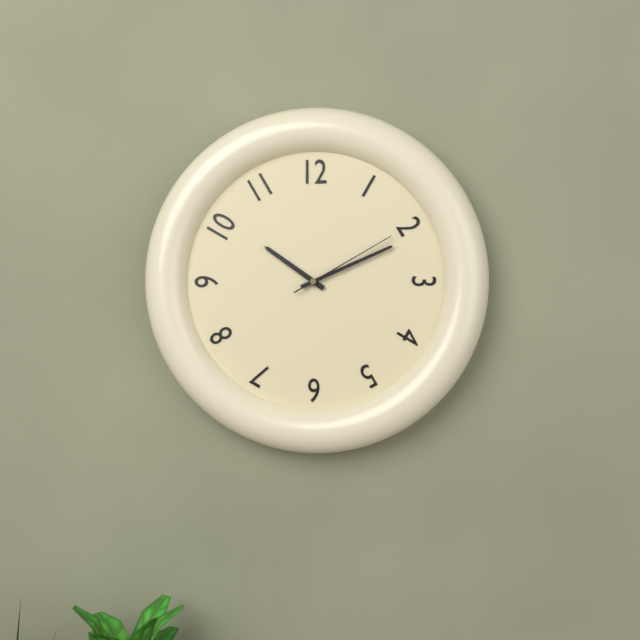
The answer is 10.11.10
